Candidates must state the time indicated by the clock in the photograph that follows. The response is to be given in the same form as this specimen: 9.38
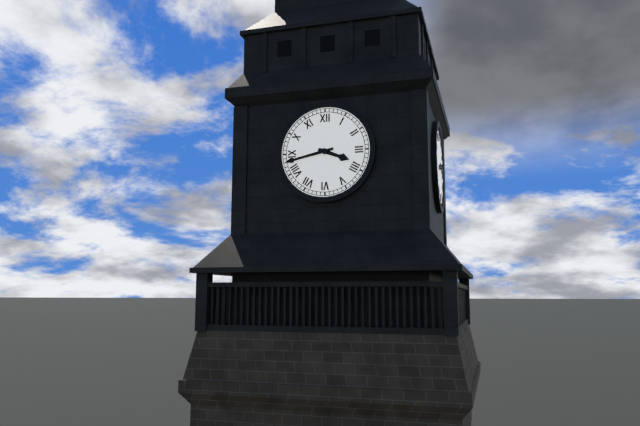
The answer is 3.43
